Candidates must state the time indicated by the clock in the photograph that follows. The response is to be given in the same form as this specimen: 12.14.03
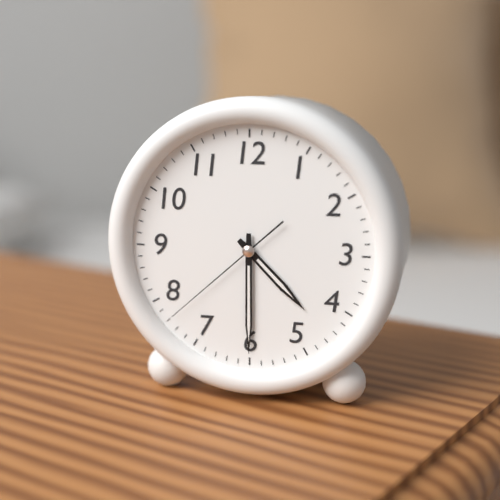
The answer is 4.30.38
